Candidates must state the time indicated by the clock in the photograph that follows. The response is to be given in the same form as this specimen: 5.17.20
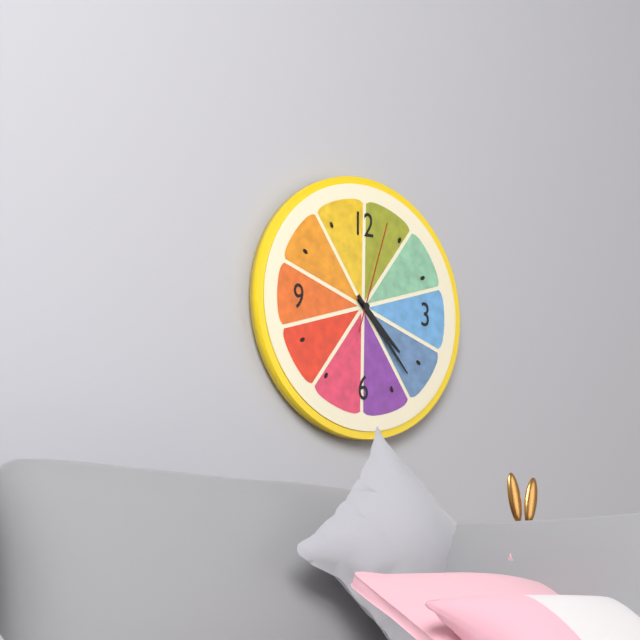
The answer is 4.23.03
